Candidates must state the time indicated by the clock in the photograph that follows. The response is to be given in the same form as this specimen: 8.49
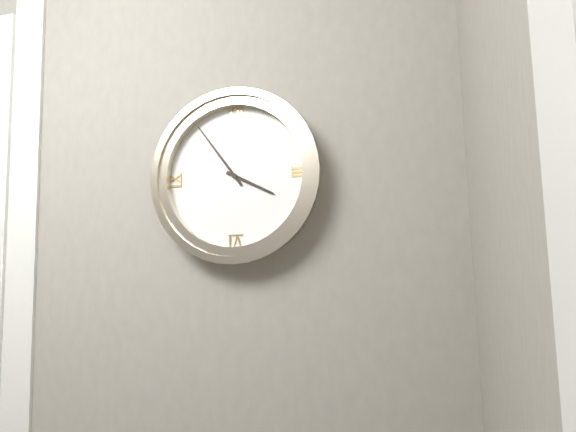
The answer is 3.54
